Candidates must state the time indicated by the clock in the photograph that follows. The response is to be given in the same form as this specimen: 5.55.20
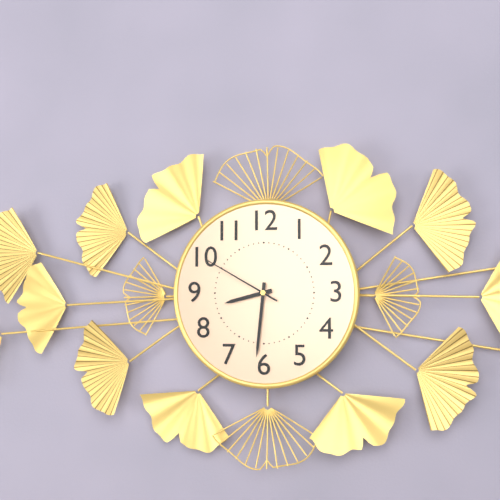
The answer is 8.31.50
